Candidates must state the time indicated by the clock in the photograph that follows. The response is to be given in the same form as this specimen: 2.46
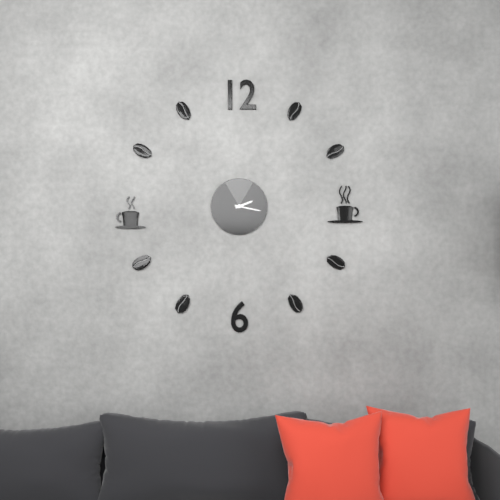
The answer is 2.17
